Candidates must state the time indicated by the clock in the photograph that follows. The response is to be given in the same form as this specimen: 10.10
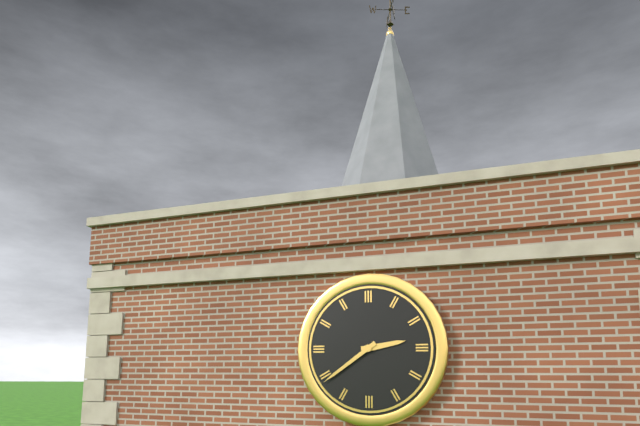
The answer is 2.39
